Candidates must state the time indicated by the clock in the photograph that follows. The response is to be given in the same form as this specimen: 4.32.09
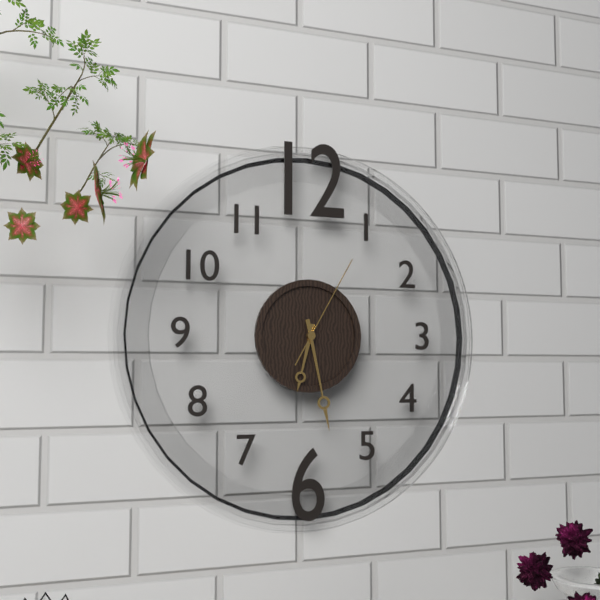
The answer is 6.28.05
